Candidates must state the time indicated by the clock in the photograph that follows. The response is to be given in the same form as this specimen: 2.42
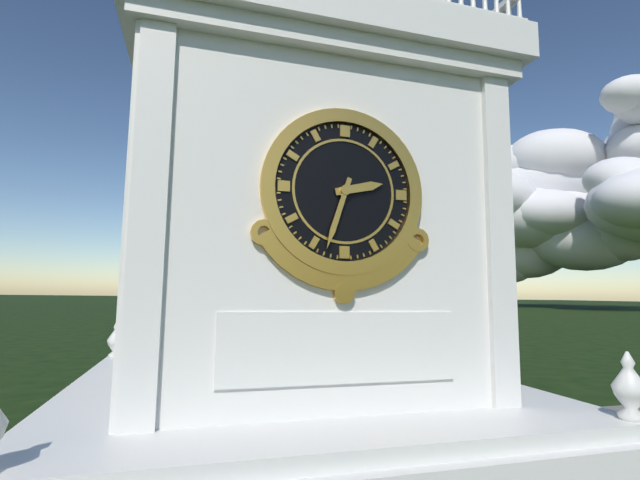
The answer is 2.33
